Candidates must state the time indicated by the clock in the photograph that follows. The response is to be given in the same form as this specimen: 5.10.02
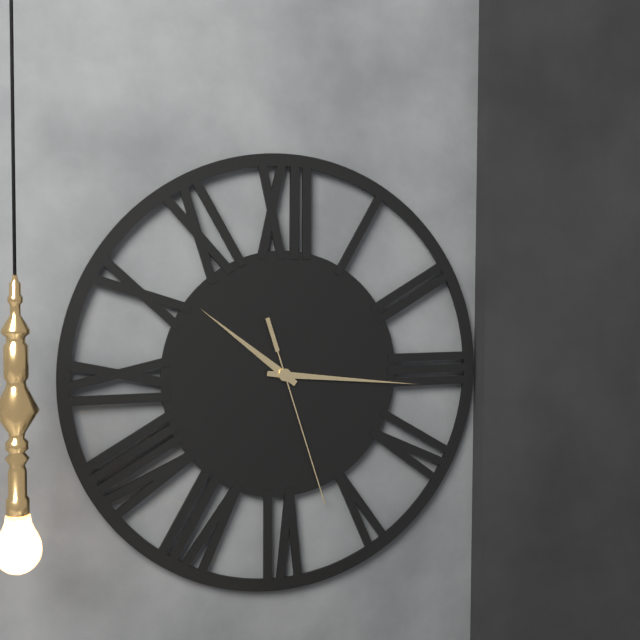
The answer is 10.16.27
